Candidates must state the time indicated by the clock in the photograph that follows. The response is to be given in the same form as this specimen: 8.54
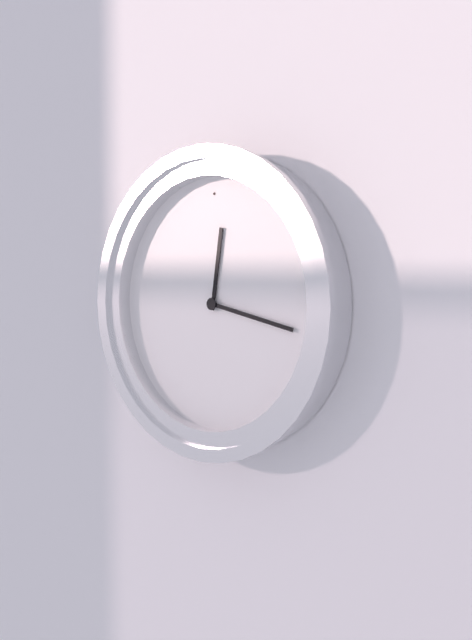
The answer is 12.17
